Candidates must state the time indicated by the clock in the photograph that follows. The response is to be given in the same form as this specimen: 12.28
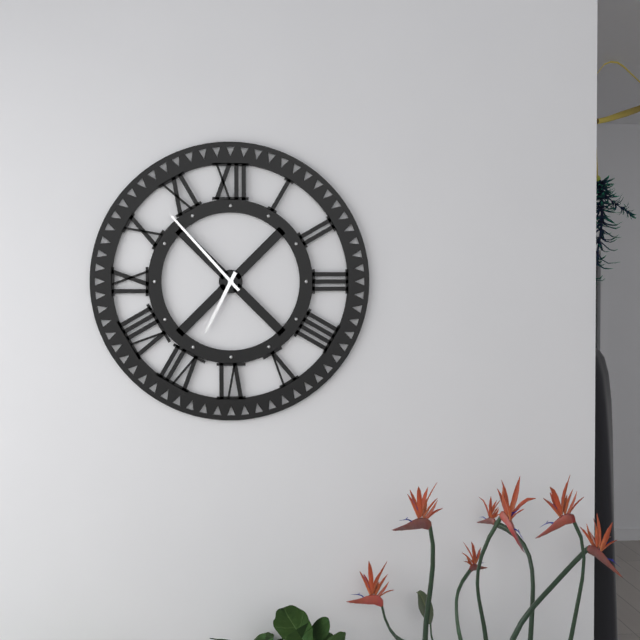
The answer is 6.53
